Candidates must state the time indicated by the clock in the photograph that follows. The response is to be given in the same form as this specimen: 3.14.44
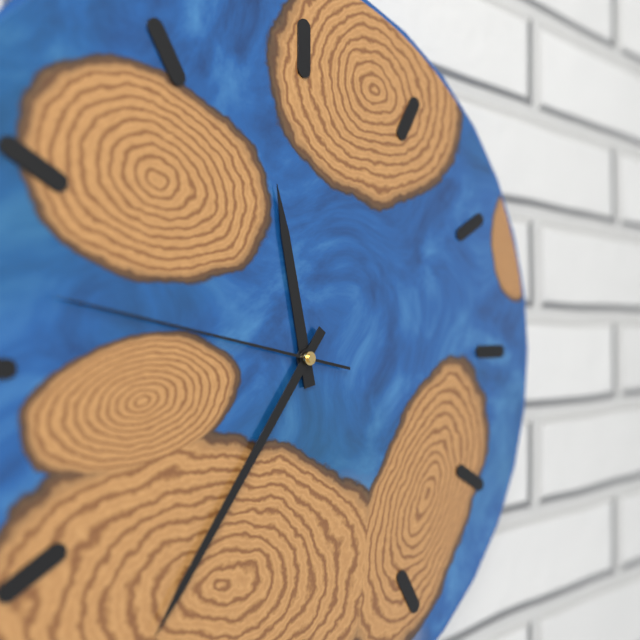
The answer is 11.36.47
